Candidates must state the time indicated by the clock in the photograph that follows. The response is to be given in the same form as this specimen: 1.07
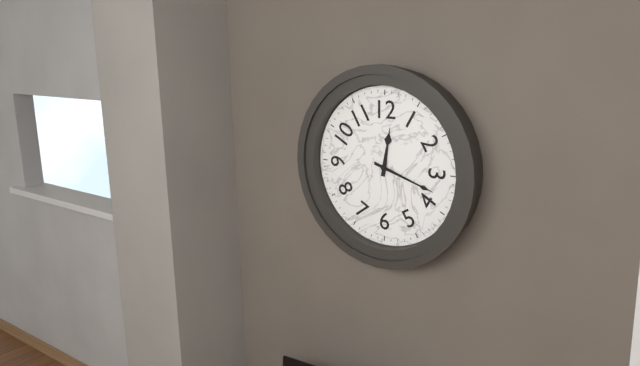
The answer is 12.18
